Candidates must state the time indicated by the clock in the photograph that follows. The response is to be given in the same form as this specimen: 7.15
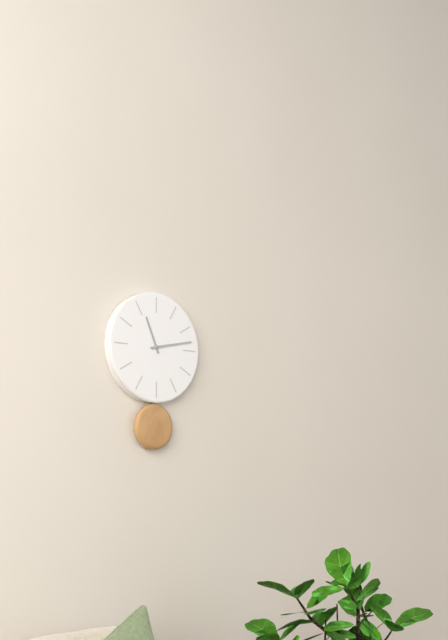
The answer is 11.13
